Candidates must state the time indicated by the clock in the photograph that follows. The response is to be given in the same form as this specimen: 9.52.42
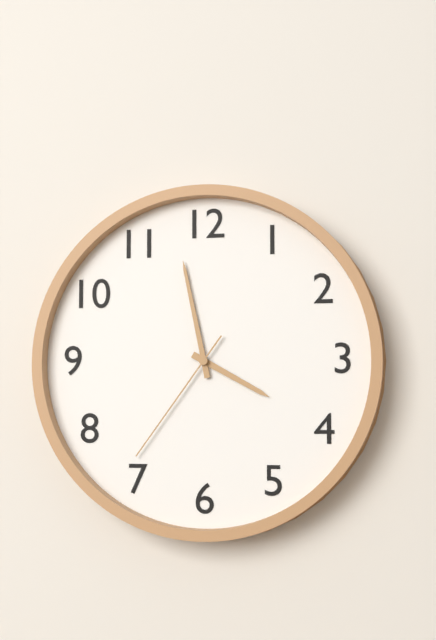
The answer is 3.58.36
